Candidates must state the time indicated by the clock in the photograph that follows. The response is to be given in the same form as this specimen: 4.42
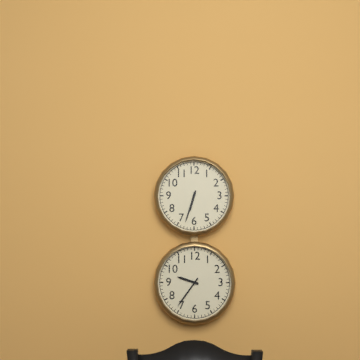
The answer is 6.33
